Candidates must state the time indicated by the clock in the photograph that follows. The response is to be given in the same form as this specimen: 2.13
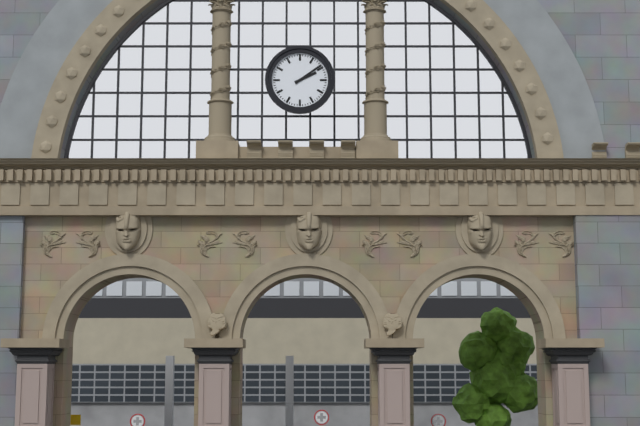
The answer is 2.09
